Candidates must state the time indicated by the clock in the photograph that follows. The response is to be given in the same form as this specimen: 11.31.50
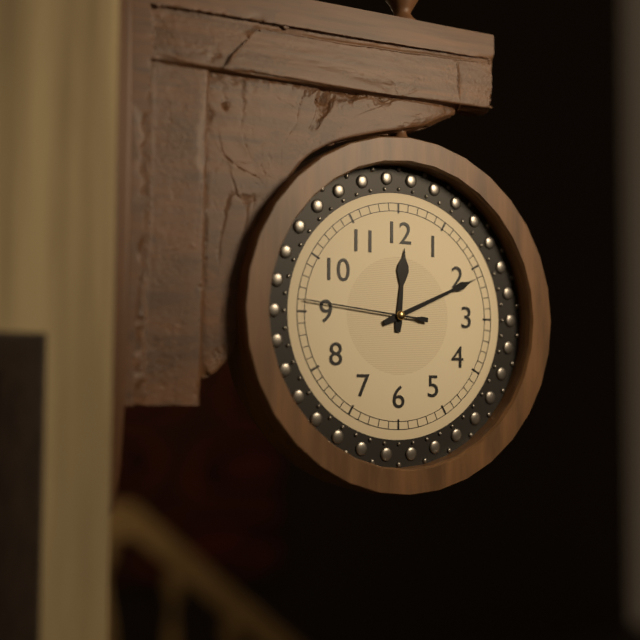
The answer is 12.11.46
